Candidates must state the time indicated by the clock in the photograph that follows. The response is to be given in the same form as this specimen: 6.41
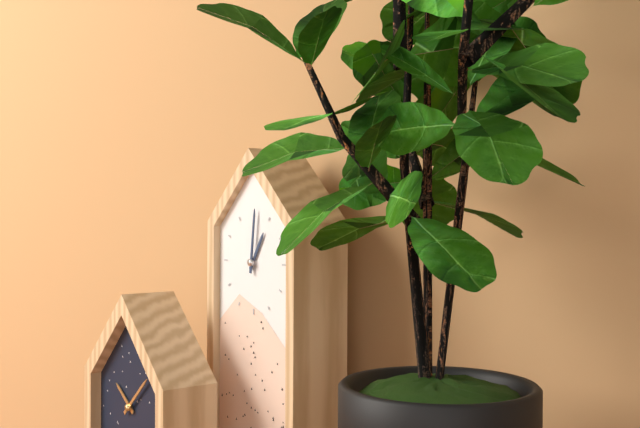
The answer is 1.01
